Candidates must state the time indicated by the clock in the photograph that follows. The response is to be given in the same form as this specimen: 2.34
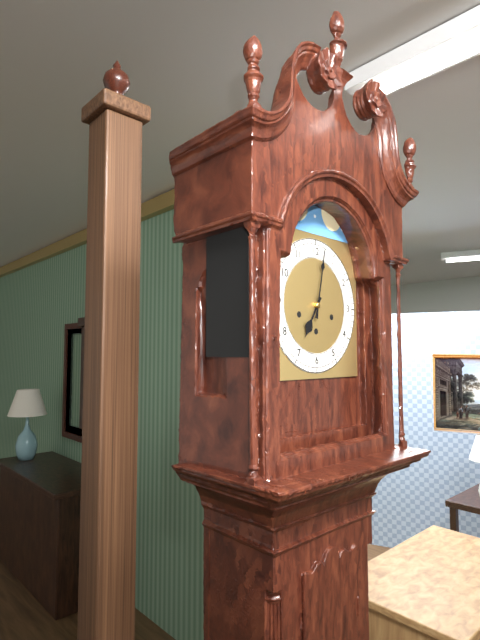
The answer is 7.02
